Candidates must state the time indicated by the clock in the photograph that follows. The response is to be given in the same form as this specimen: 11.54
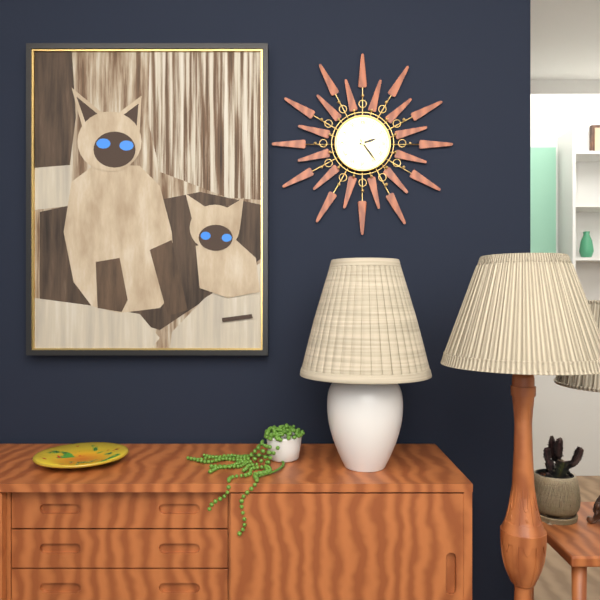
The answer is 2.24
